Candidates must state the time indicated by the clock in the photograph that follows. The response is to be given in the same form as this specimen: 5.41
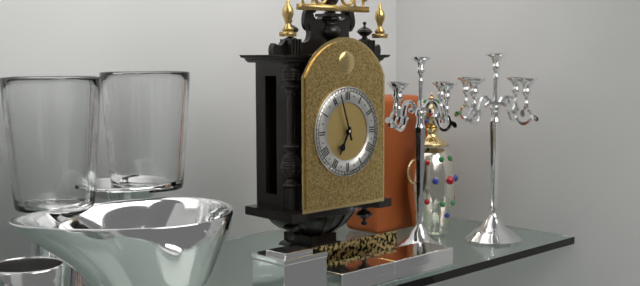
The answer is 6.57
